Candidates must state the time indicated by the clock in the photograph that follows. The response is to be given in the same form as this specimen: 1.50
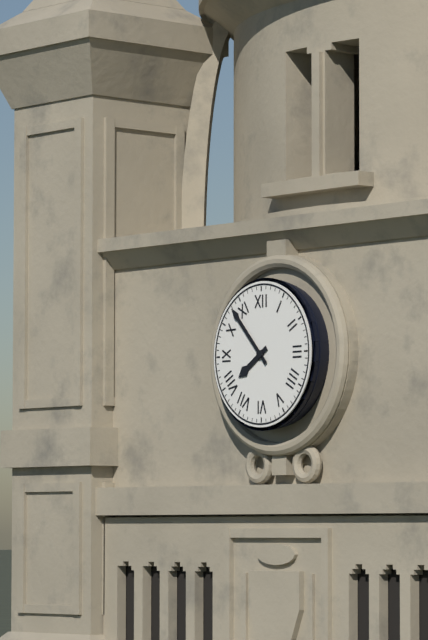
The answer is 7.53
